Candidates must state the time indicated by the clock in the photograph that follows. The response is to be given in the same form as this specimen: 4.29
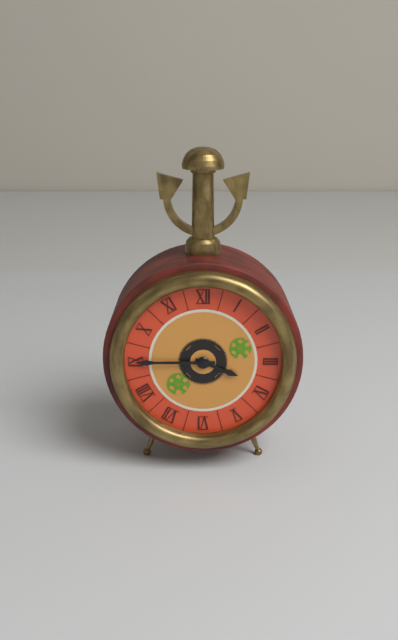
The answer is 3.45
